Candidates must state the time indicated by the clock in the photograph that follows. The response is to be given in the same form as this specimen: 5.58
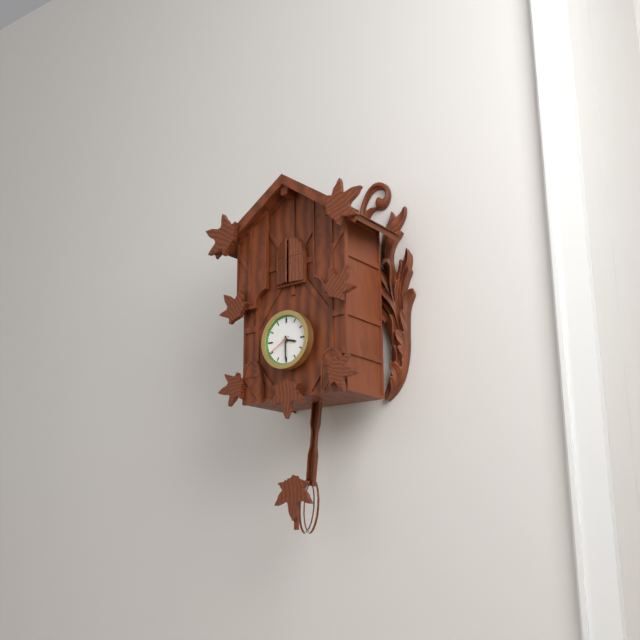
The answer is 3.30
